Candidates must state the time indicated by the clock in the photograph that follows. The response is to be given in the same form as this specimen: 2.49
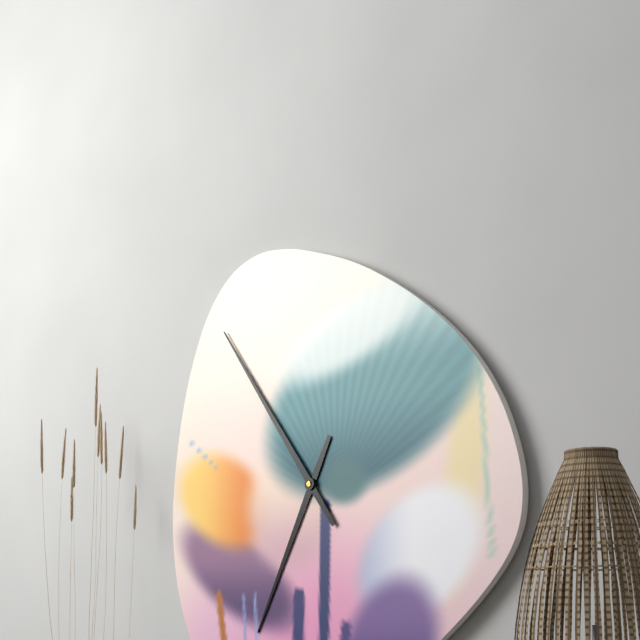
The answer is 6.54
